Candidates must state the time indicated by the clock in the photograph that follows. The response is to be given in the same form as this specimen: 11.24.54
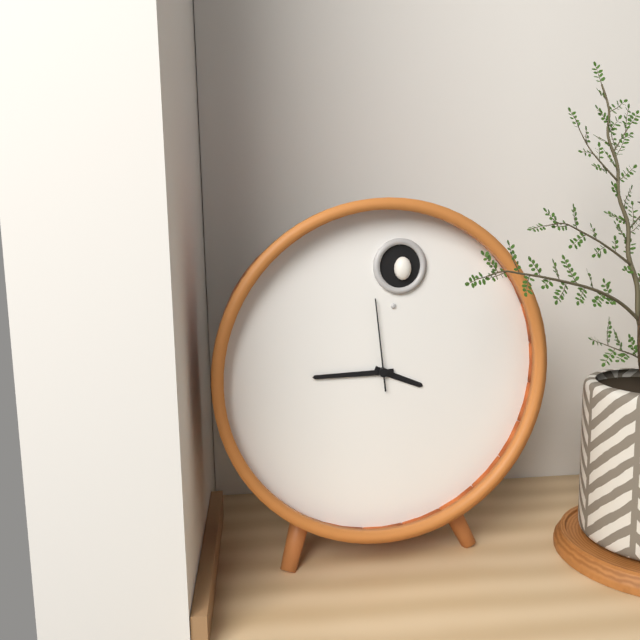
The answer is 3.45.59
